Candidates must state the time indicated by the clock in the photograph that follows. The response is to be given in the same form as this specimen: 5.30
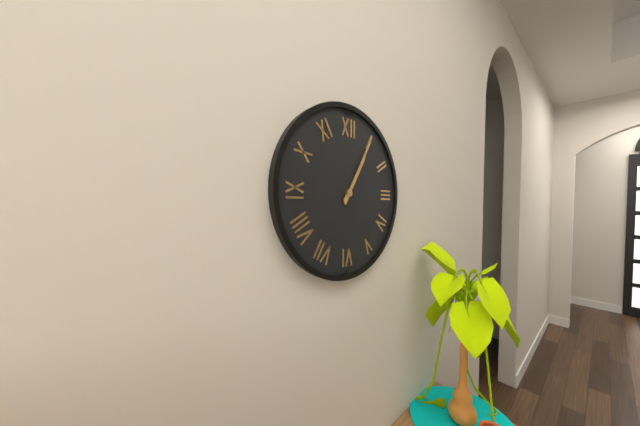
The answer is 1.05
